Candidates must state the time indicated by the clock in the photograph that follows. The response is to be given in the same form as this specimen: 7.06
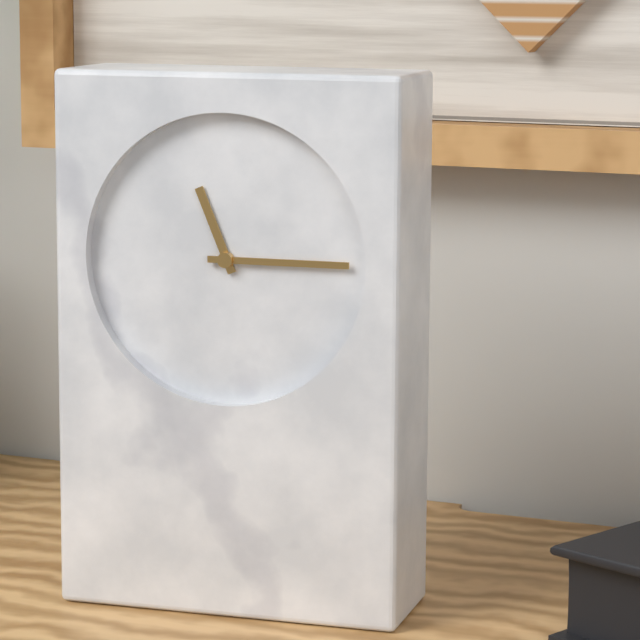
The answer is 11.15
